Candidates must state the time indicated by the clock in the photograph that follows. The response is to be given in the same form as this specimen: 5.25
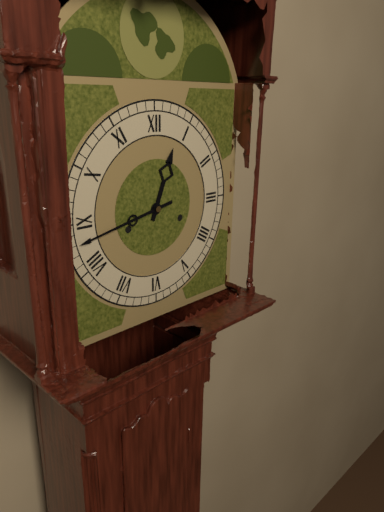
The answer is 12.43
